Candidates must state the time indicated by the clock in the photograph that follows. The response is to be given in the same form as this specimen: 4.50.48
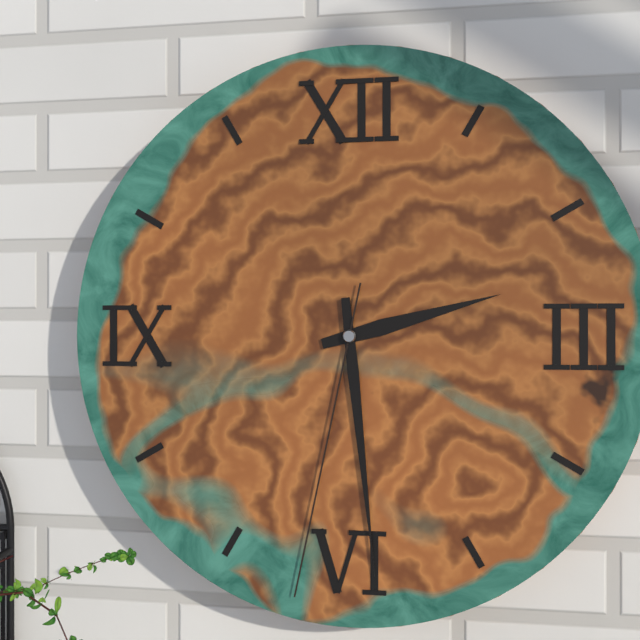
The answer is 2.29.32
